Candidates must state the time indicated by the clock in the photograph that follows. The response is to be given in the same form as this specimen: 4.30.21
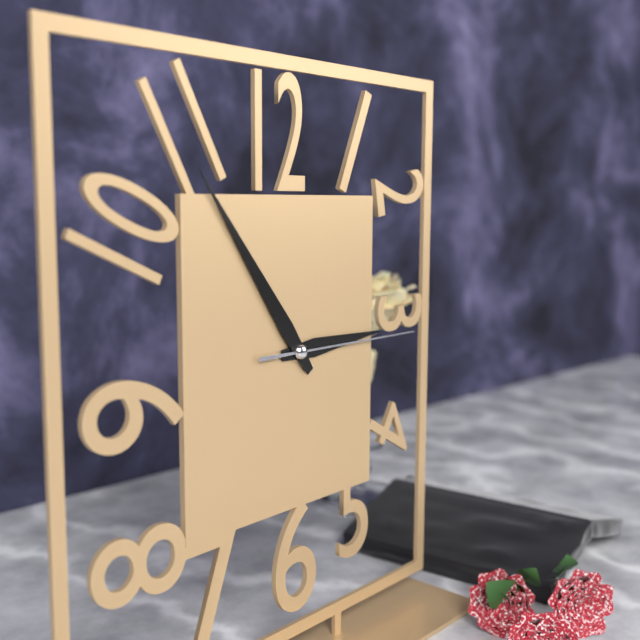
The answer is 2.54.15
